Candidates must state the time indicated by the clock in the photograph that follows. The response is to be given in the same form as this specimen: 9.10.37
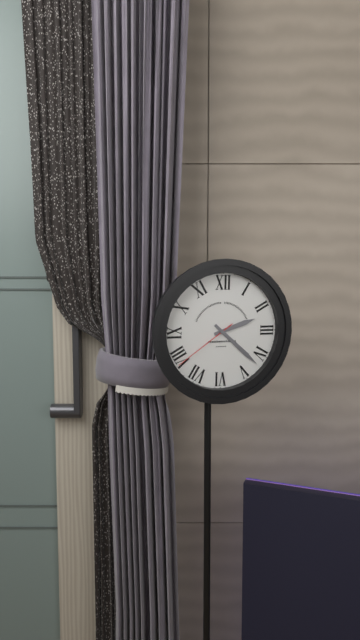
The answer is 2.22.39
